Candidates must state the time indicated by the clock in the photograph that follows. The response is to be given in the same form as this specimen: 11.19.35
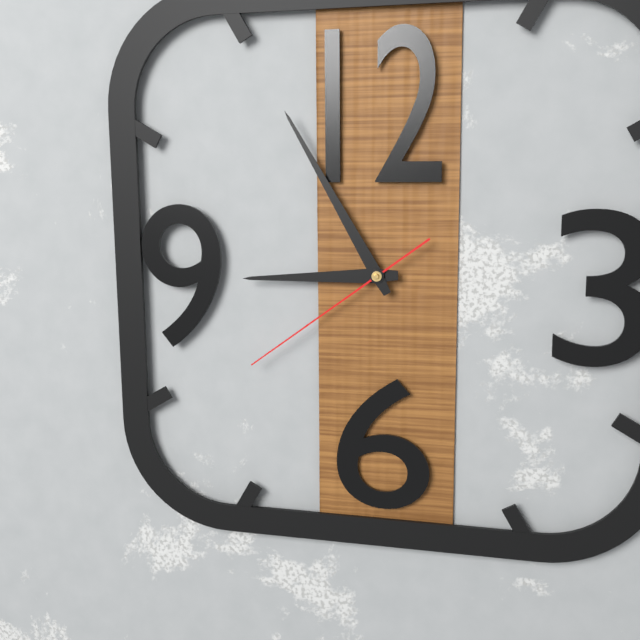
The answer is 8.55.39
